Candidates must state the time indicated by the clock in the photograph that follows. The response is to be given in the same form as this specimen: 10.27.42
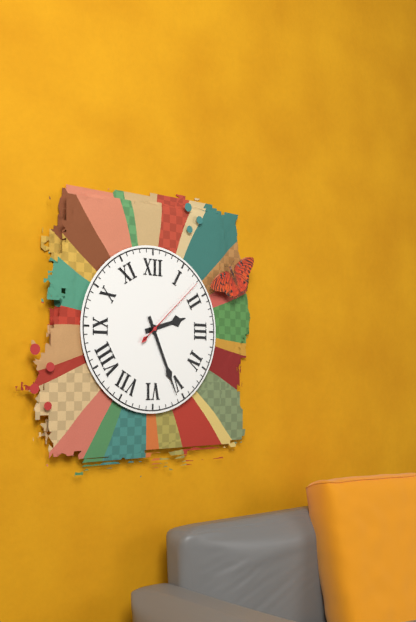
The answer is 2.26.08
